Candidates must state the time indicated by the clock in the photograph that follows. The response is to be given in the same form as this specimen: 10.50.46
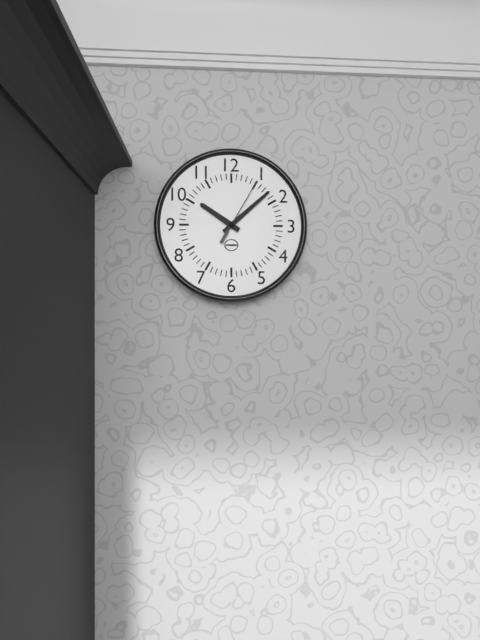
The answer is 10.08.05
